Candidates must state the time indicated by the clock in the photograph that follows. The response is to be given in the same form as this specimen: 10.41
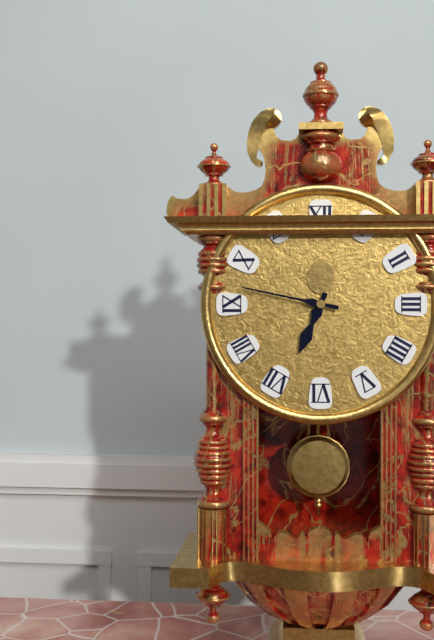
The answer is 6.47
